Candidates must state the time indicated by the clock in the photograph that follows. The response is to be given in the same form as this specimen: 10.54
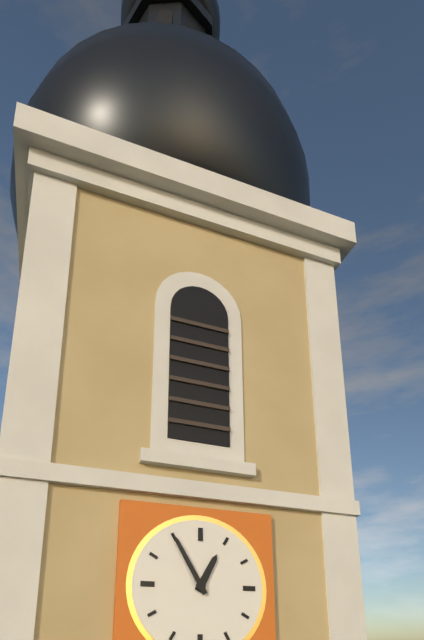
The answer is 12.55
